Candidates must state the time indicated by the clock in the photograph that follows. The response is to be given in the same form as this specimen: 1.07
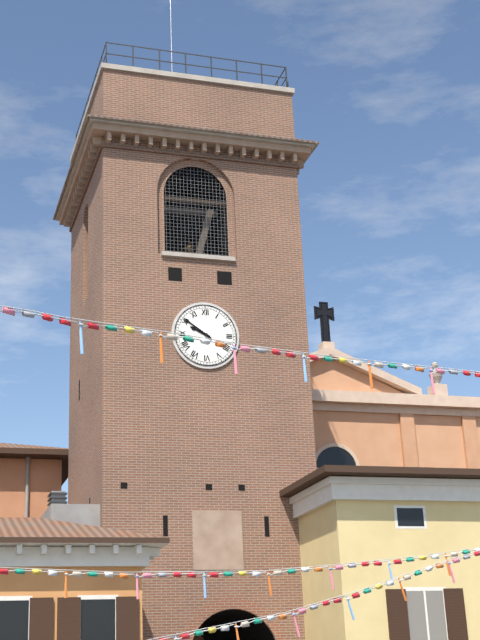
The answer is 9.51
